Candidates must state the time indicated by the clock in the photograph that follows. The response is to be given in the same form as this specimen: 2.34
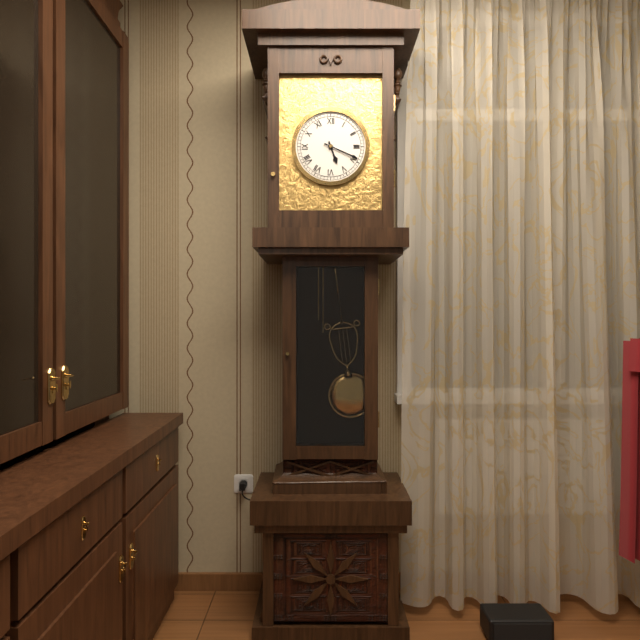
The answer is 5.19
